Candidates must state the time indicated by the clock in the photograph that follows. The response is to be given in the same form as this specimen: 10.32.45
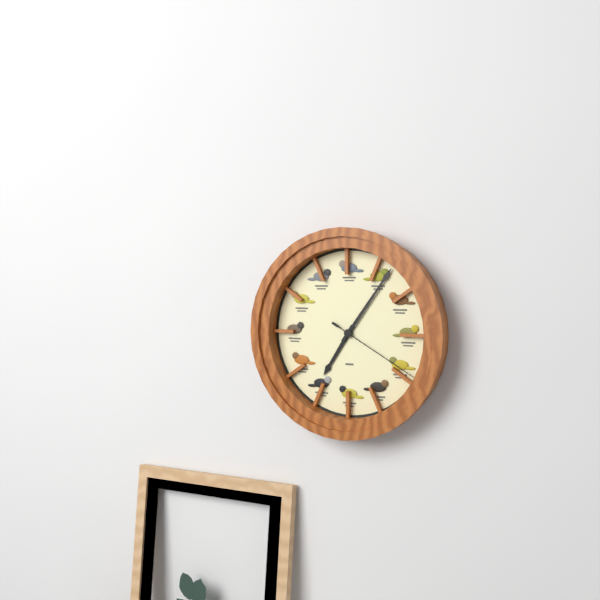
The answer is 7.06.20
